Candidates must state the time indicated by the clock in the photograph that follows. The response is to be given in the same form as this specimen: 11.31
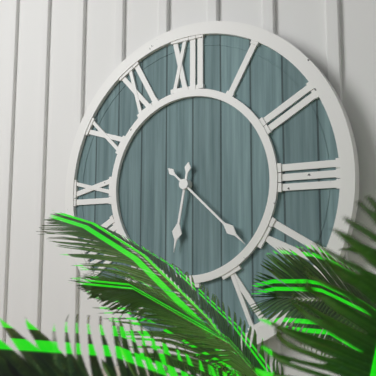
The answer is 6.22
